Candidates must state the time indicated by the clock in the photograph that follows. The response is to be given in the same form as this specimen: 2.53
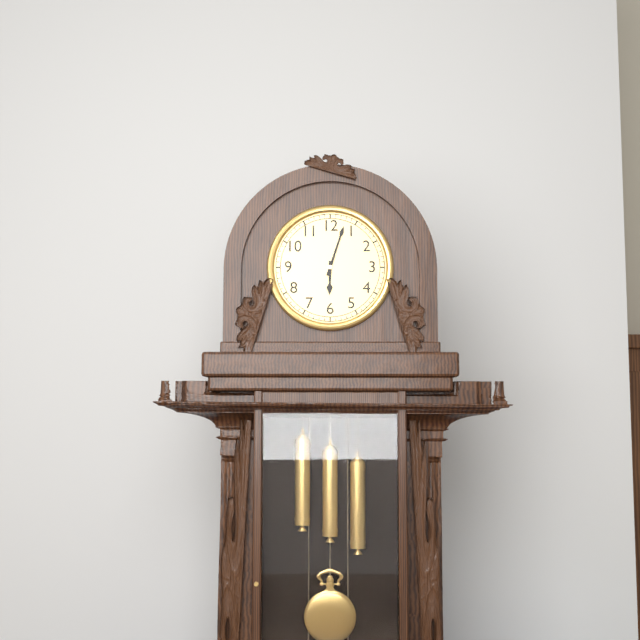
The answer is 6.03
